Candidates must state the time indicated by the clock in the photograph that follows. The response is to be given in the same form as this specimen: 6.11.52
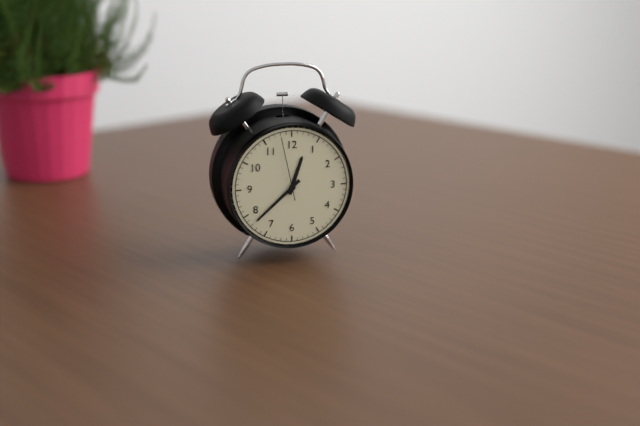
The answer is 12.38.58
